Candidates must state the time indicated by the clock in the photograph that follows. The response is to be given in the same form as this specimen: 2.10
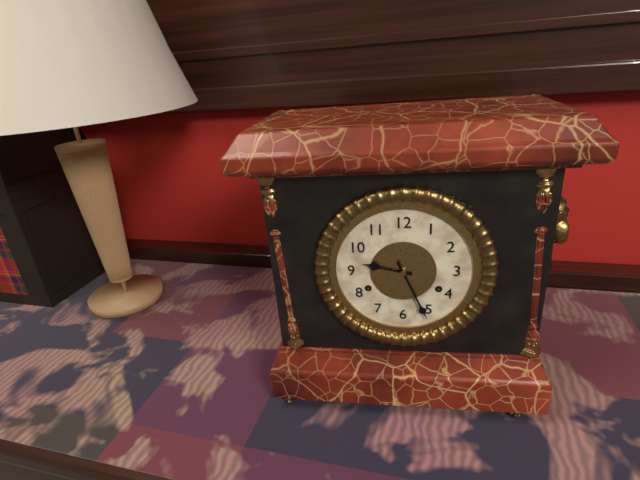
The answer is 9.26
